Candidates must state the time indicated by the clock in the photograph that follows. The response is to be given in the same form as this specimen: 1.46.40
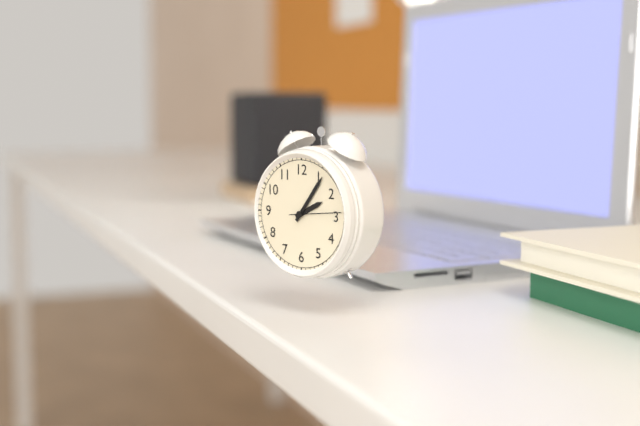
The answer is 2.06.14
